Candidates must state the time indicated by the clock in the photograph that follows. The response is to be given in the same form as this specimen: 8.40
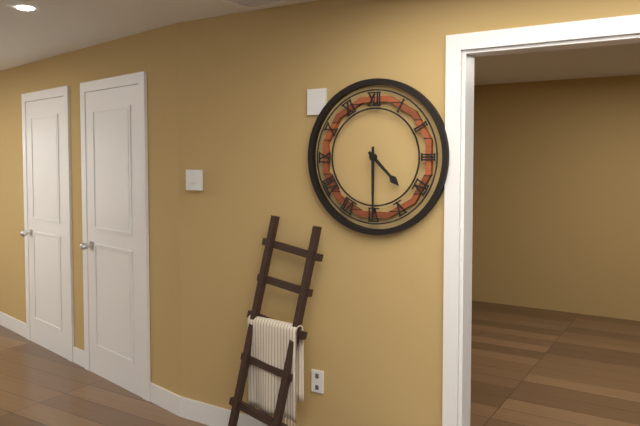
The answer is 4.30
